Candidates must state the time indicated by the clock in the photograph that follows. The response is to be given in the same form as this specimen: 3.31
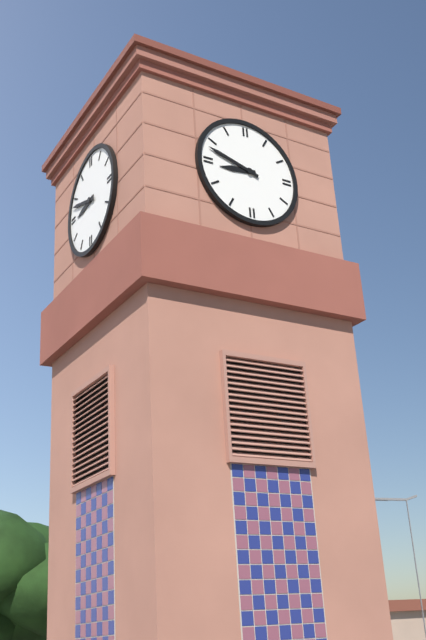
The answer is 8.48
